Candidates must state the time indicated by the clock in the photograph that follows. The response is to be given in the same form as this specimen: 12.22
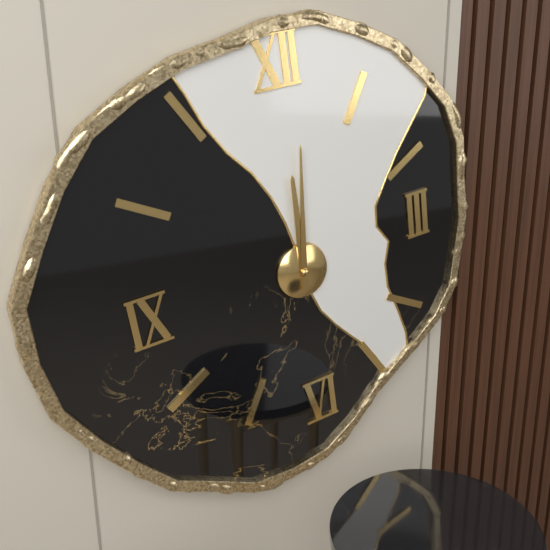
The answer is 12.01
